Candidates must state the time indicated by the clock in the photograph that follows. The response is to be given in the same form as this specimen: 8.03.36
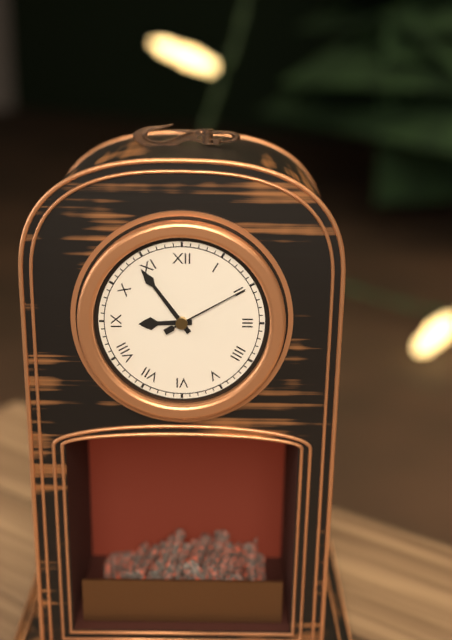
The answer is 8.54.10
